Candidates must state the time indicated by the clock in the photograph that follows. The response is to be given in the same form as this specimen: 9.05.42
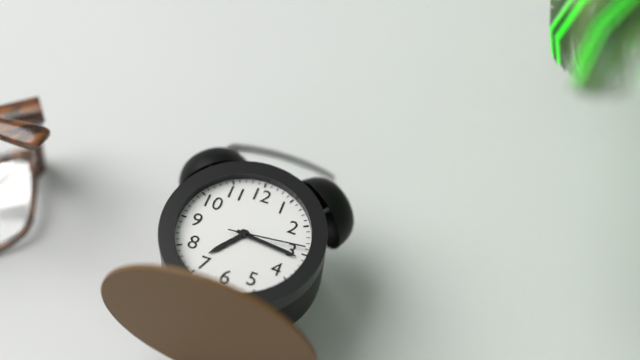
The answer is 7.16.14
